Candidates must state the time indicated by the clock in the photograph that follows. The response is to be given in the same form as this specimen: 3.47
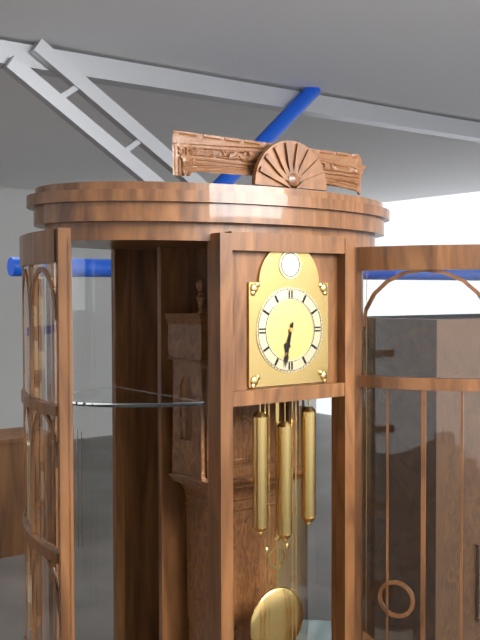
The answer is 6.32
